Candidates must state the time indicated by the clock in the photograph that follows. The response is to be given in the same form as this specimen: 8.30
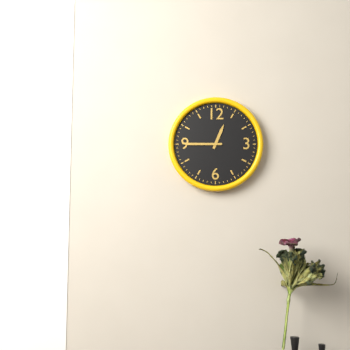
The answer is 12.45
